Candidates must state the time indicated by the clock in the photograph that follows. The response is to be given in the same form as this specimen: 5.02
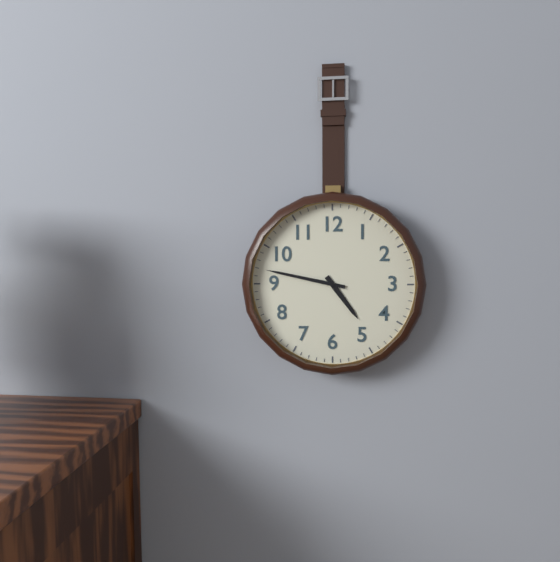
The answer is 4.47
